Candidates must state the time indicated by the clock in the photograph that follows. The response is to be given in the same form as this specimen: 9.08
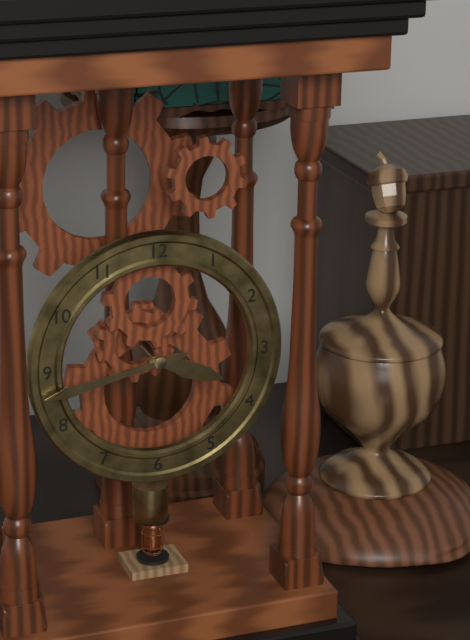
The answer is 3.43
